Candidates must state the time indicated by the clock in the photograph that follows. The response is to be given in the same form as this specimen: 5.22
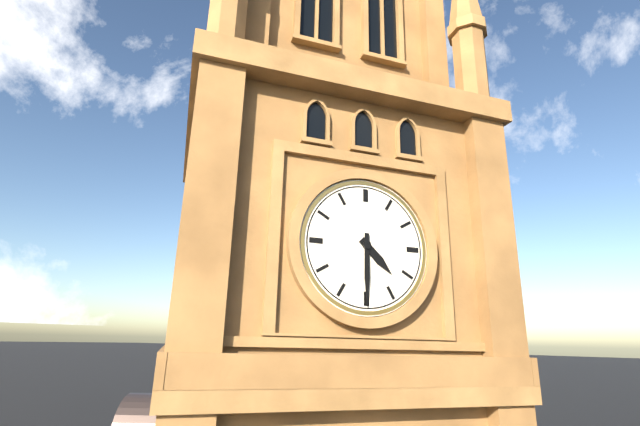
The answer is 4.30
